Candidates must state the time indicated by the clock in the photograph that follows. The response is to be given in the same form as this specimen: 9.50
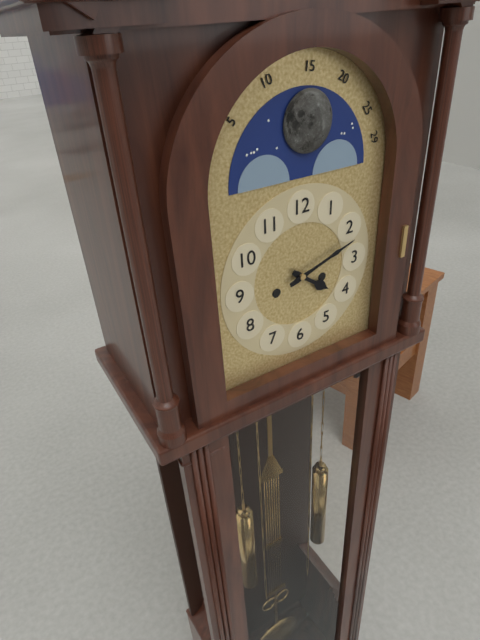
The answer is 4.12
